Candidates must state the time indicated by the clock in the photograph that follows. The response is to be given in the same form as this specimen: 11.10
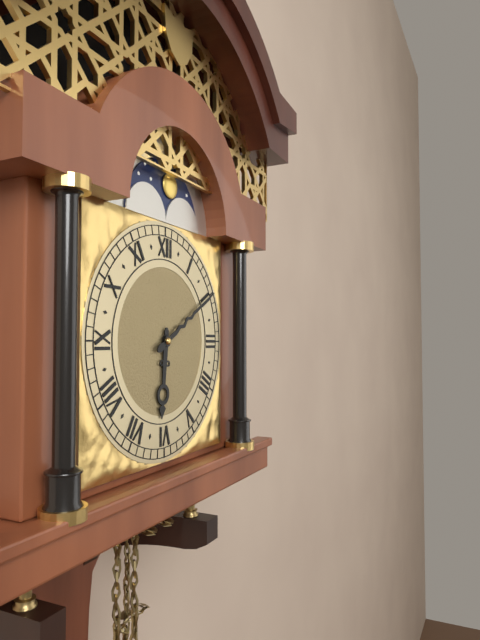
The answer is 6.10
